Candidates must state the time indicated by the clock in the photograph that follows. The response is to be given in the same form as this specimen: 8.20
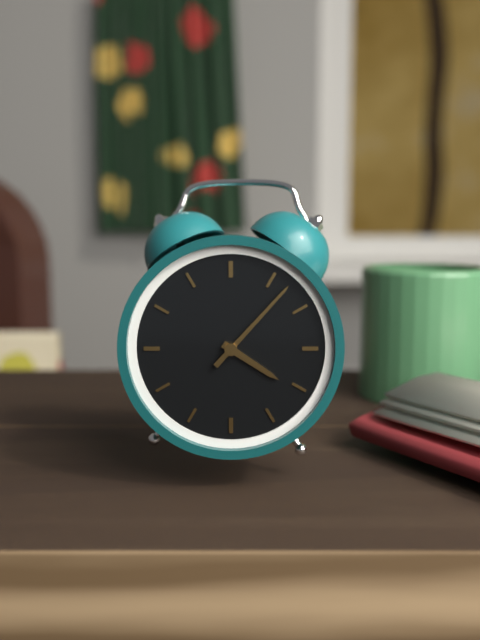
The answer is 4.07
